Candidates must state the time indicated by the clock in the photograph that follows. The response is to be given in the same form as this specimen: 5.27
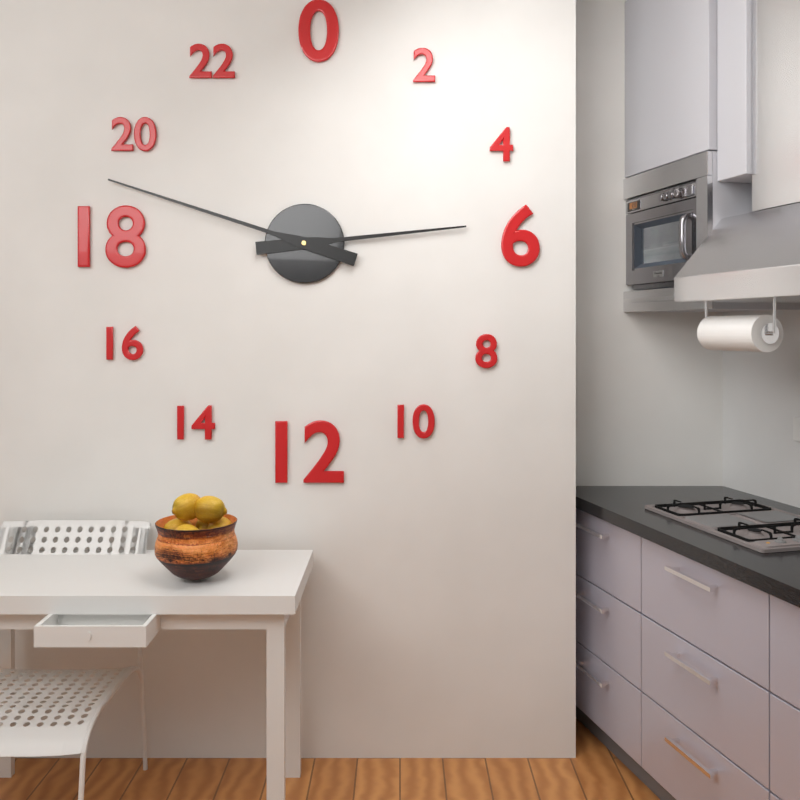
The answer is 2.48
